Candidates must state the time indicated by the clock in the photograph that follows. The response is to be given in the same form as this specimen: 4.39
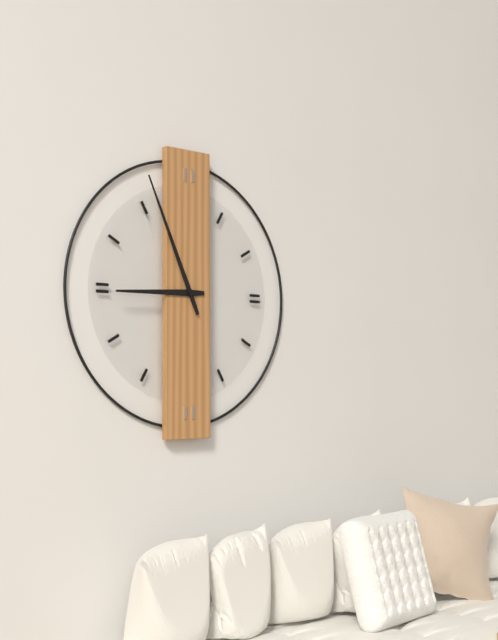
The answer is 8.56
